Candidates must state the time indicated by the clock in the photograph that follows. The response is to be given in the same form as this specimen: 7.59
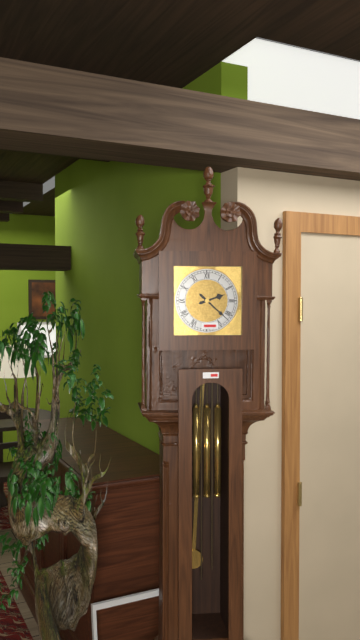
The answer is 2.22
